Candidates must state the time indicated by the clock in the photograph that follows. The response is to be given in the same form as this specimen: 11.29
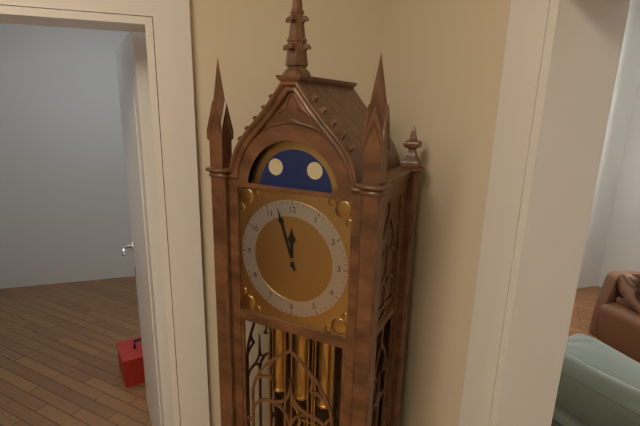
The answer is 11.57
